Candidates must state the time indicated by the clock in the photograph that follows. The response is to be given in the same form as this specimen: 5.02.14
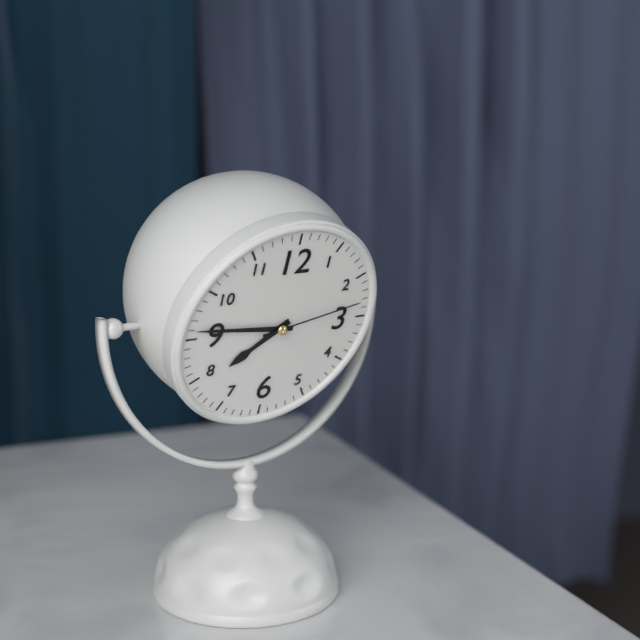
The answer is 7.46.13
